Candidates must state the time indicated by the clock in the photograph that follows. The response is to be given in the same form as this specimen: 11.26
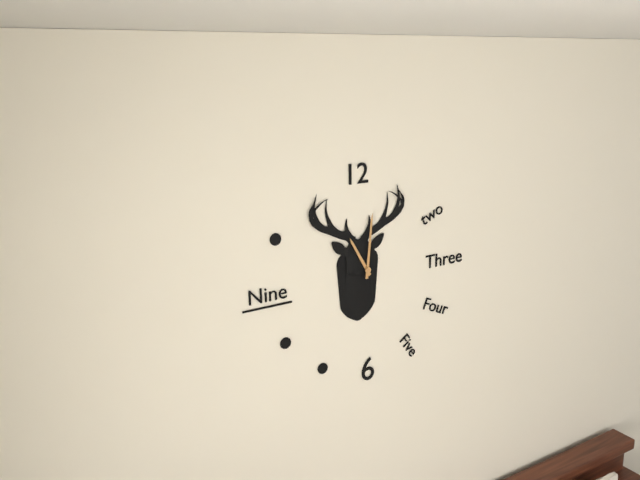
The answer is 11.01
